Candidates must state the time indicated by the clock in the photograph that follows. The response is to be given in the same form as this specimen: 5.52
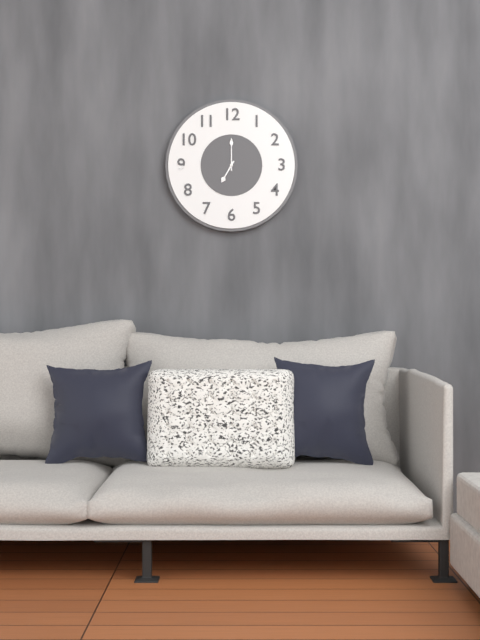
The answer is 7.00
